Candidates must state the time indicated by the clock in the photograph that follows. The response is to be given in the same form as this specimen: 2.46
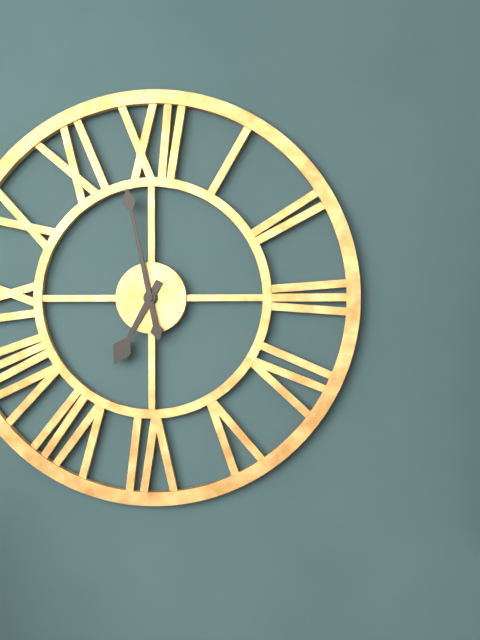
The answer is 6.58
